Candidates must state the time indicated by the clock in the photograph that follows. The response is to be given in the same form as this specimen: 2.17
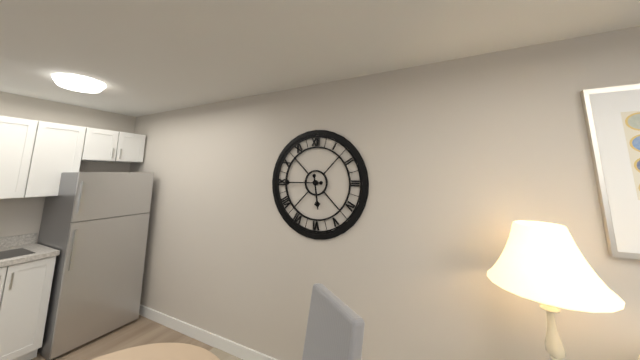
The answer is 5.45
